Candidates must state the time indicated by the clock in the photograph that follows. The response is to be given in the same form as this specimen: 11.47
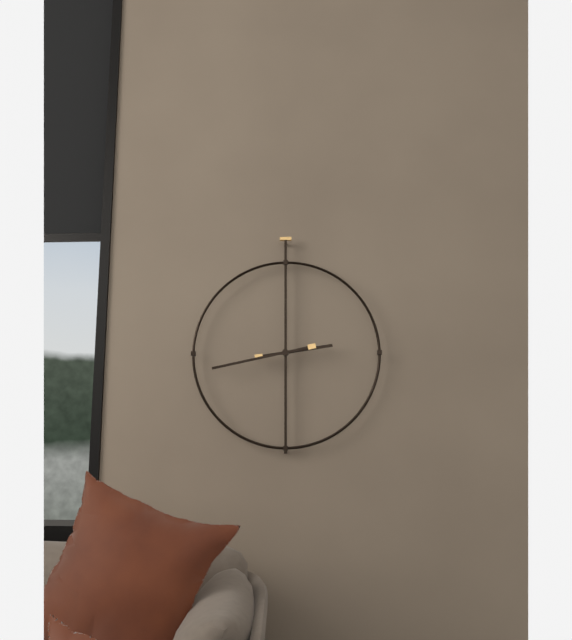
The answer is 2.43
